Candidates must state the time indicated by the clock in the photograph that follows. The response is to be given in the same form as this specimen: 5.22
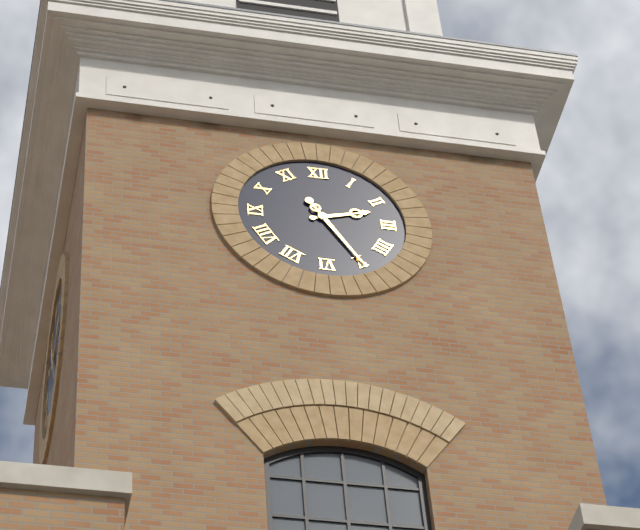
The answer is 2.25
